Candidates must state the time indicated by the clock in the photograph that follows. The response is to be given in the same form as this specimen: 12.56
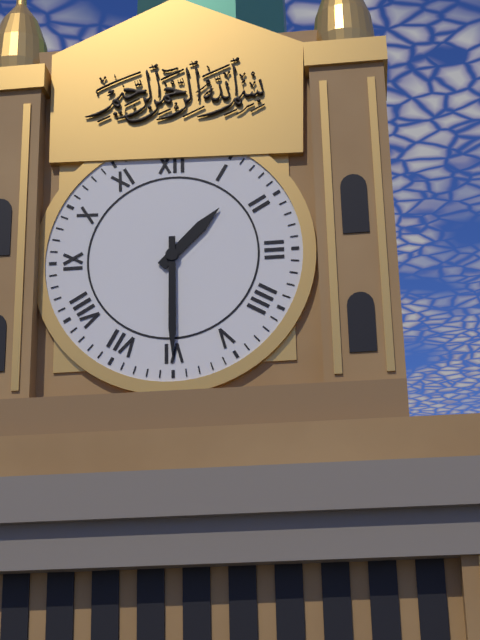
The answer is 1.30
